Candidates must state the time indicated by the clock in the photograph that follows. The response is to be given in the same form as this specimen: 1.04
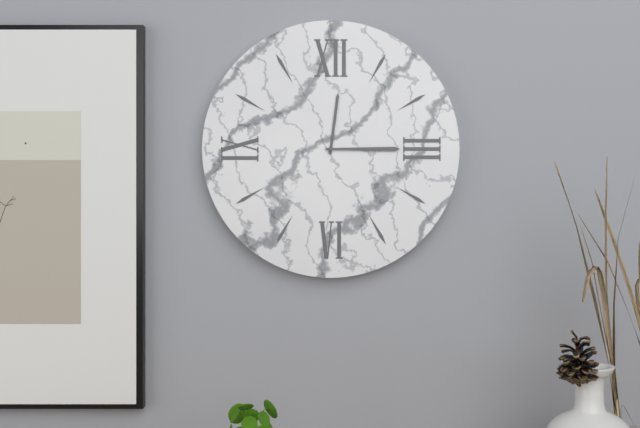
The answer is 12.15
